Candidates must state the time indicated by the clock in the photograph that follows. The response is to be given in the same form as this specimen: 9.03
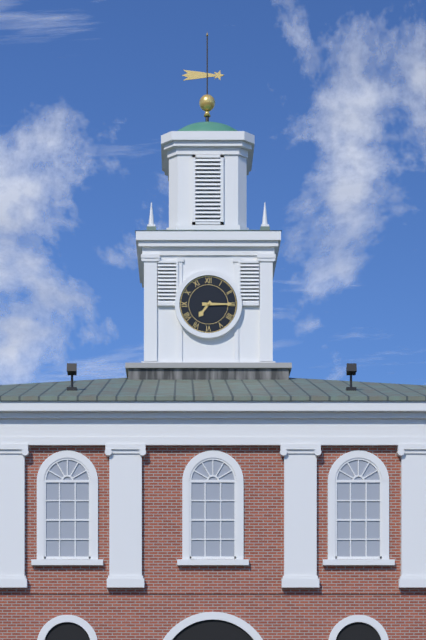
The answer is 7.15
